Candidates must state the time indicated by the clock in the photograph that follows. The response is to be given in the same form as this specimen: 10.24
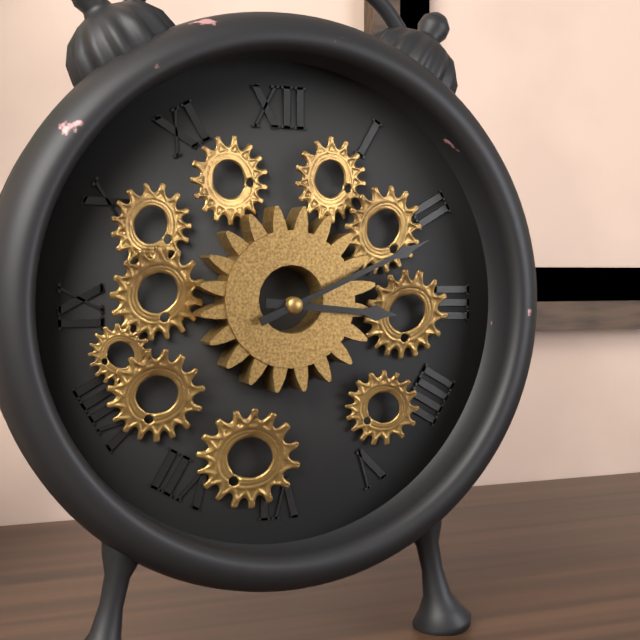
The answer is 3.11
